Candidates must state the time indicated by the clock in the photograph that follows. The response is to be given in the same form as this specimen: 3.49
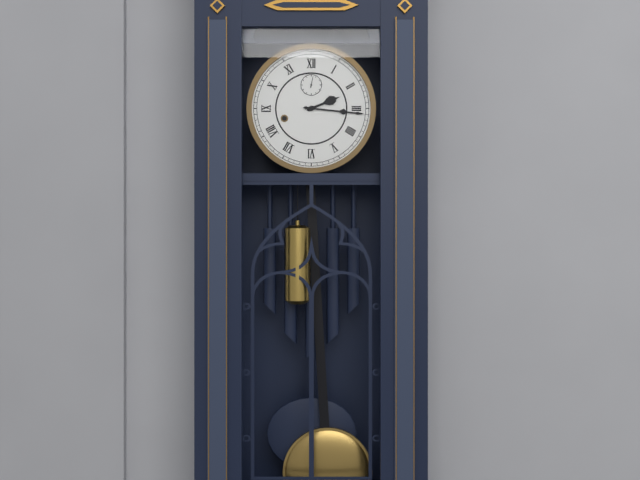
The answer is 2.16
